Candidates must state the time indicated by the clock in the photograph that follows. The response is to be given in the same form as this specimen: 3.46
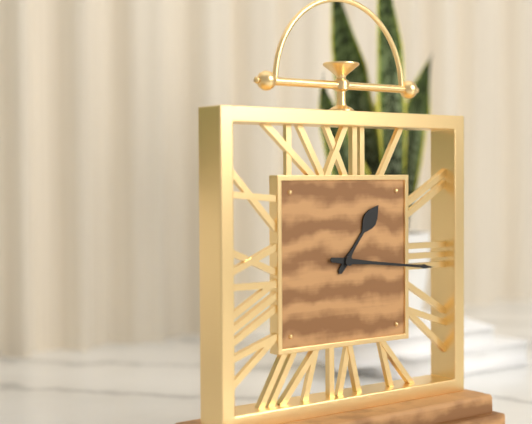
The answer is 1.16
